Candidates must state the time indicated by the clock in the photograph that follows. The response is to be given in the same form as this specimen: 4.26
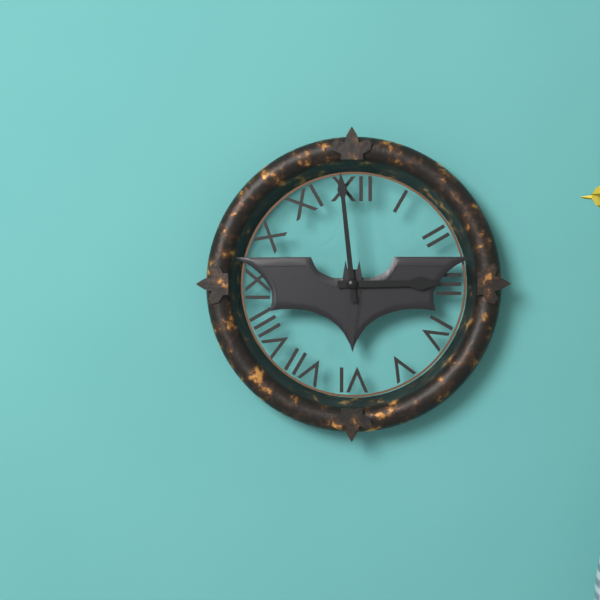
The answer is 2.59
